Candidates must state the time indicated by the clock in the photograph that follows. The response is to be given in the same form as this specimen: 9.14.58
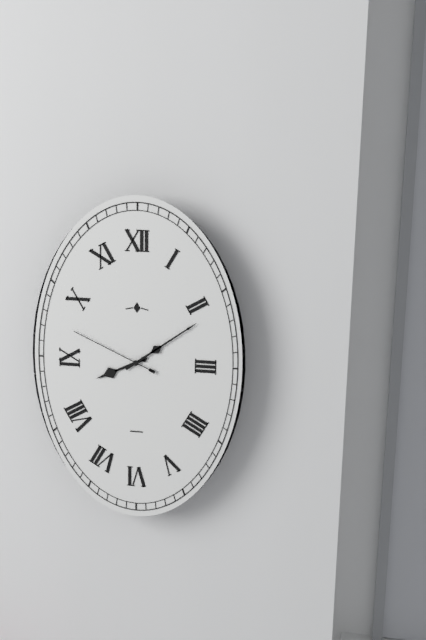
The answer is 8.09.49
